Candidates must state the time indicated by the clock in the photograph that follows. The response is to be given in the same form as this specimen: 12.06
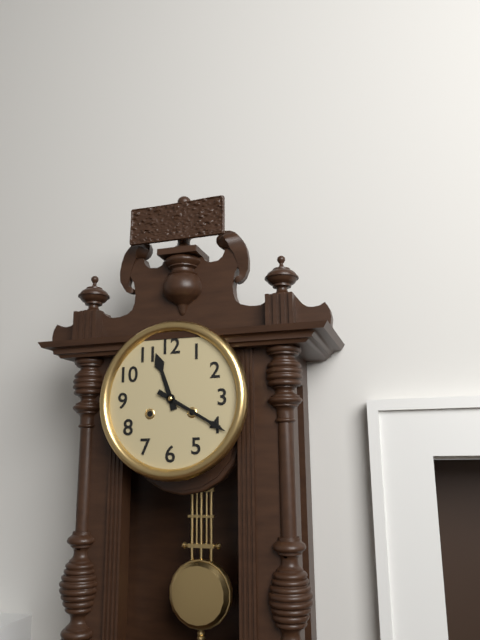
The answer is 11.20
